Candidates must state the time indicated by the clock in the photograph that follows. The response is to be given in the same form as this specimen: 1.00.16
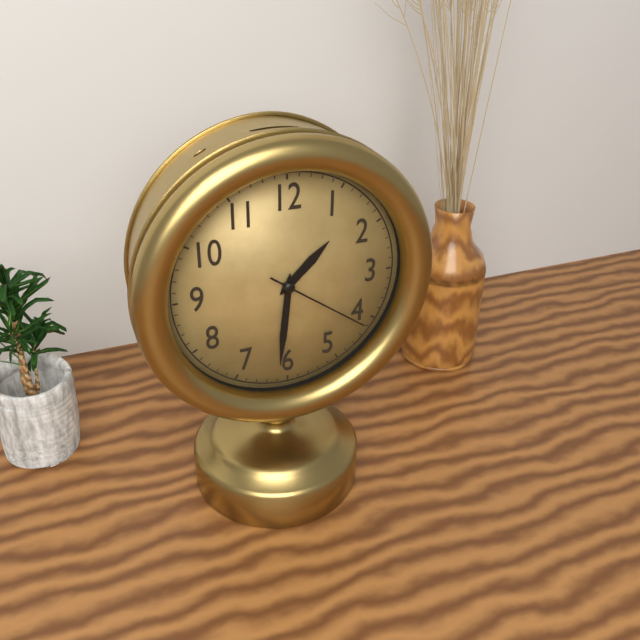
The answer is 1.31.21
